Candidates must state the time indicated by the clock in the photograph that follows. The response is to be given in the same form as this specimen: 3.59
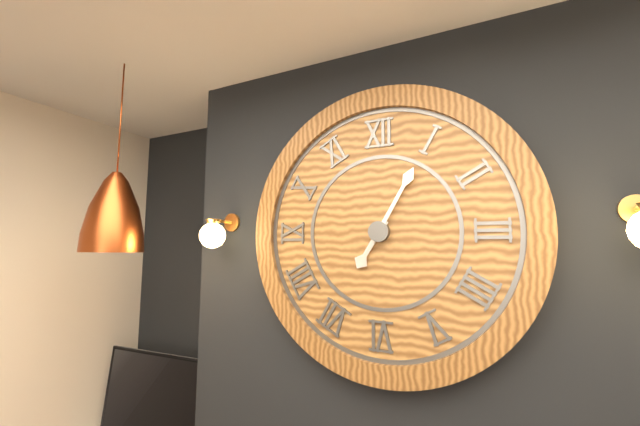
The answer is 7.05
